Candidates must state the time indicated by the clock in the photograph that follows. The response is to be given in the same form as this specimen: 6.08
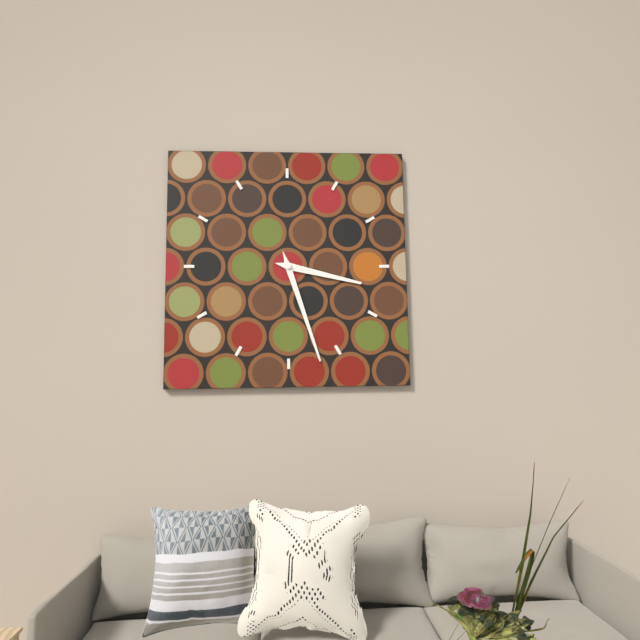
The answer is 3.27
